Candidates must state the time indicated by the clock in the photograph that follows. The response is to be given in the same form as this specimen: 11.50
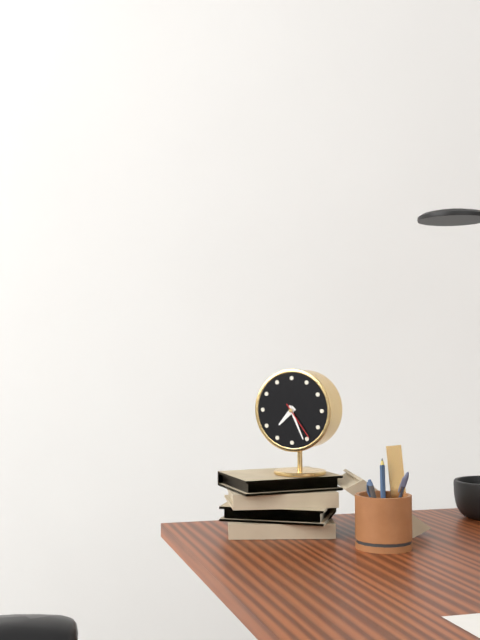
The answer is 7.26
